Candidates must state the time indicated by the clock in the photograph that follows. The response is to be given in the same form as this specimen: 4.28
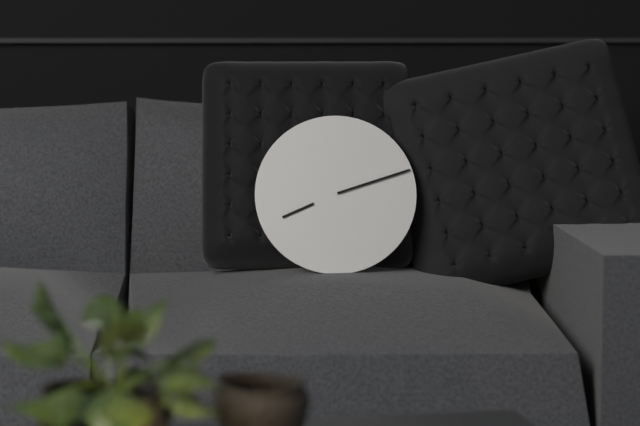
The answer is 8.12
